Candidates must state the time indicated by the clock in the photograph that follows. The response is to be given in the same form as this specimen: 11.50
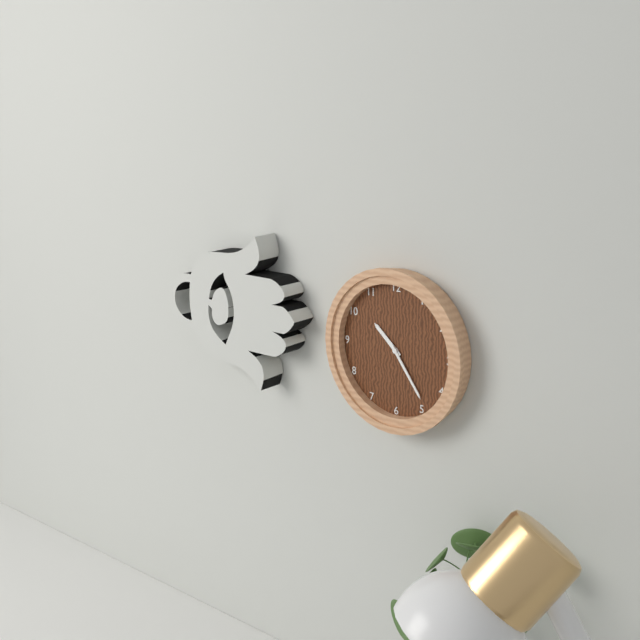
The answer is 10.24
